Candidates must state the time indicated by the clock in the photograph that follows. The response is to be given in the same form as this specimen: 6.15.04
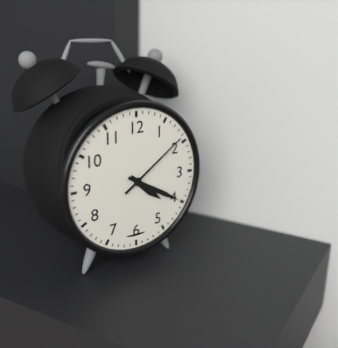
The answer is 4.20.09
